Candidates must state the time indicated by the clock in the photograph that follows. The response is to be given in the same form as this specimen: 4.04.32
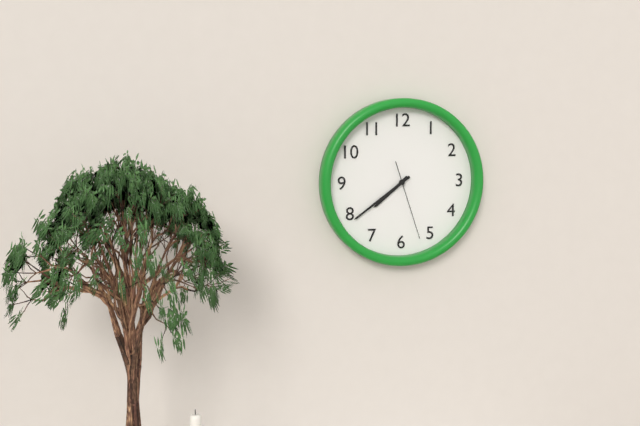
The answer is 7.39.27
